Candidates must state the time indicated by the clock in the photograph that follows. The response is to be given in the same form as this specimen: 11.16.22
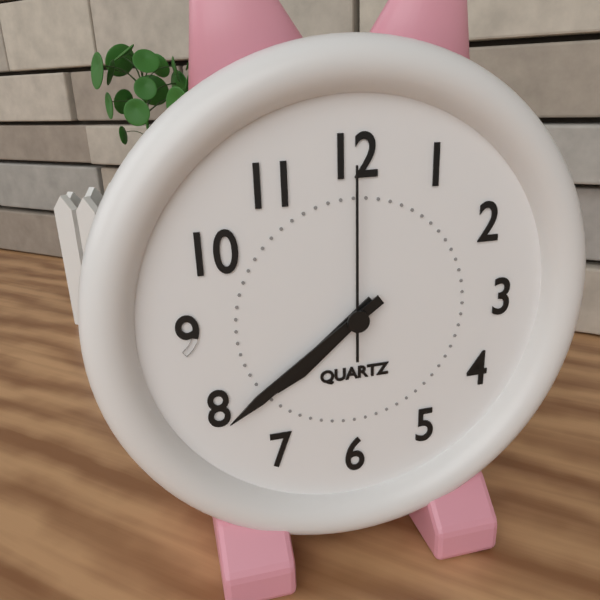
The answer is 7.39.00
